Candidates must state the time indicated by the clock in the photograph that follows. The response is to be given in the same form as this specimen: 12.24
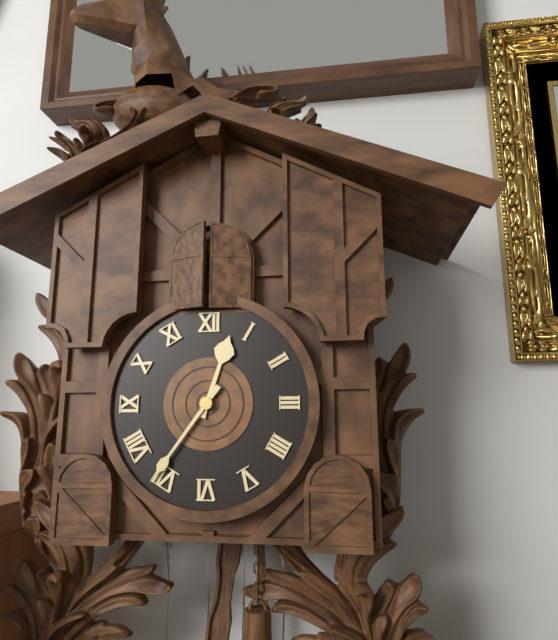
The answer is 12.36
